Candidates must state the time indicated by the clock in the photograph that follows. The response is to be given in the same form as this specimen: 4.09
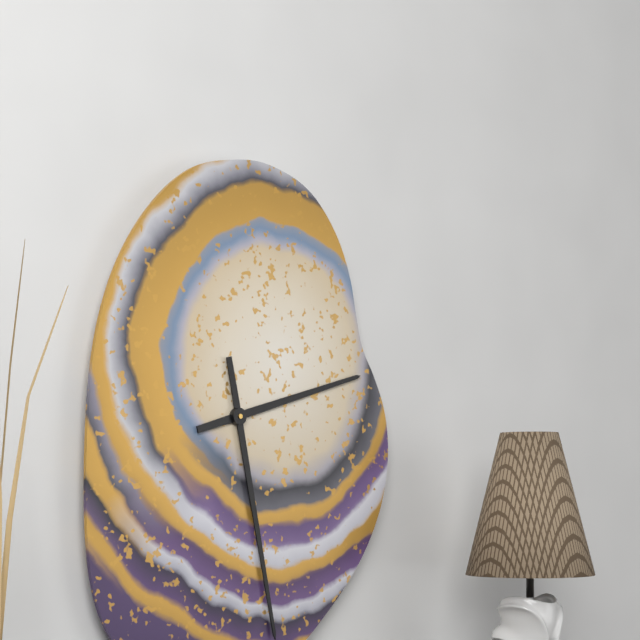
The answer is 2.28
